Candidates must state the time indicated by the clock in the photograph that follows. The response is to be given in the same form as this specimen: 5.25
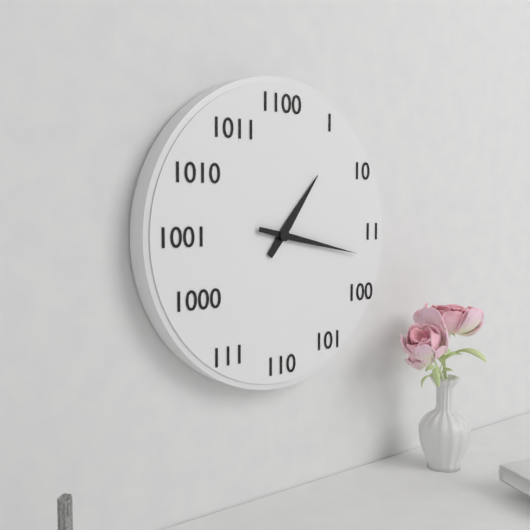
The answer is 1.17
